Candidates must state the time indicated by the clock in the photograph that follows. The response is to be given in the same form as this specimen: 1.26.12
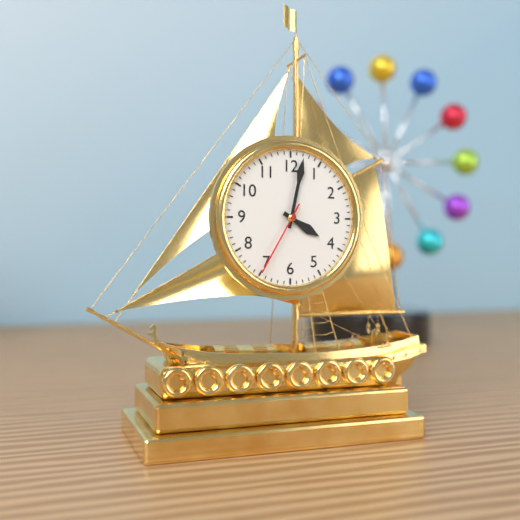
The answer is 4.02.35
